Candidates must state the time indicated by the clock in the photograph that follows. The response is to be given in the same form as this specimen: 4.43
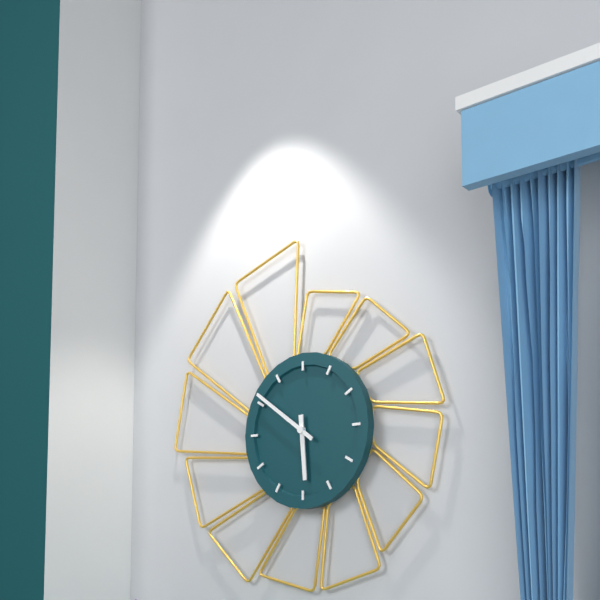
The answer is 5.51
